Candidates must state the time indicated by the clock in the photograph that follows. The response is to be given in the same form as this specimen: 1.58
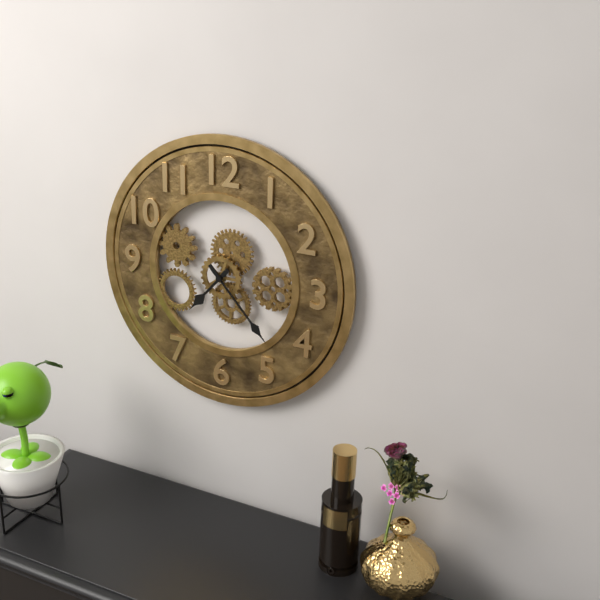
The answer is 7.23
